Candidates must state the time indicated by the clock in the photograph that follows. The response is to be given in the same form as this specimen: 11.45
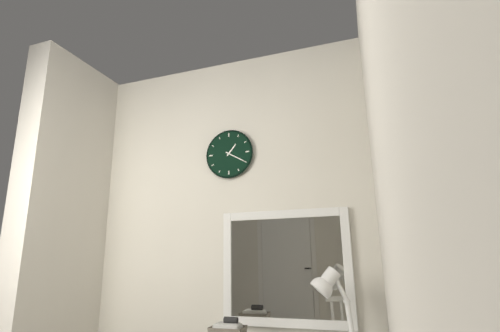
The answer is 1.20
